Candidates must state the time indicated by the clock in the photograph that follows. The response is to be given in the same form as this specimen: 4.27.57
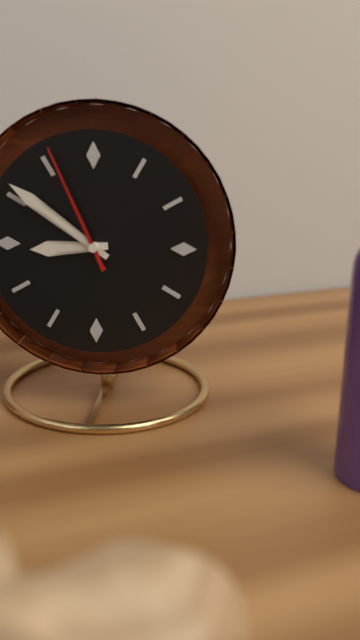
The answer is 8.51.56
